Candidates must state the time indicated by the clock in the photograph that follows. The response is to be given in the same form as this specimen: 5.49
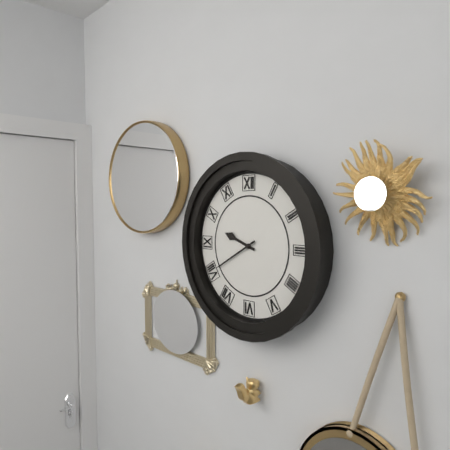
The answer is 9.40
